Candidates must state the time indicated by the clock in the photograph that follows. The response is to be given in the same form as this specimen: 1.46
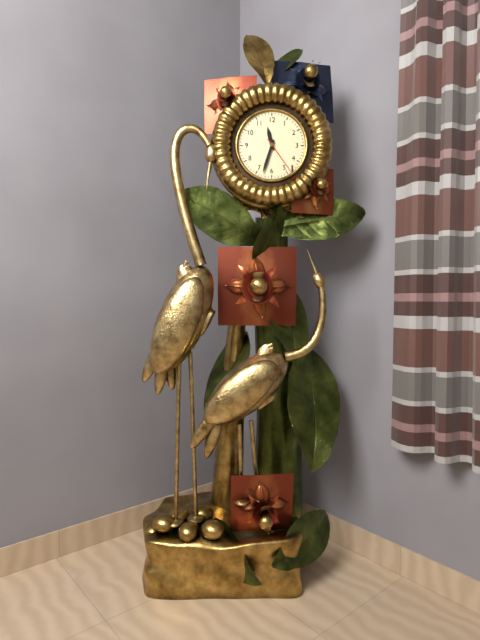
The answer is 11.33
